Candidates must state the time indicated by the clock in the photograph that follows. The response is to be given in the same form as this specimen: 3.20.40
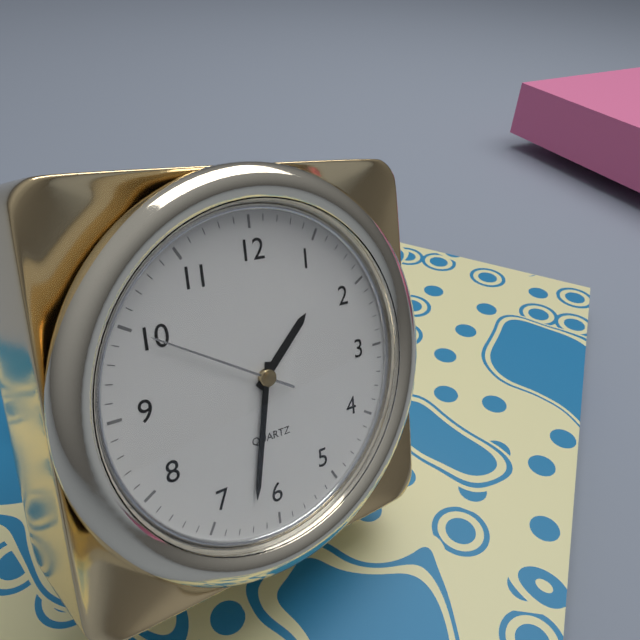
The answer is 1.32.50
